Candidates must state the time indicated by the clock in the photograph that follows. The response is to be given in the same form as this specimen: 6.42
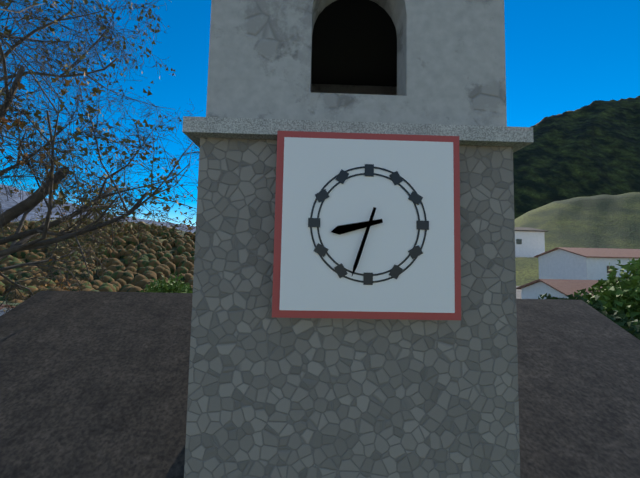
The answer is 8.33
